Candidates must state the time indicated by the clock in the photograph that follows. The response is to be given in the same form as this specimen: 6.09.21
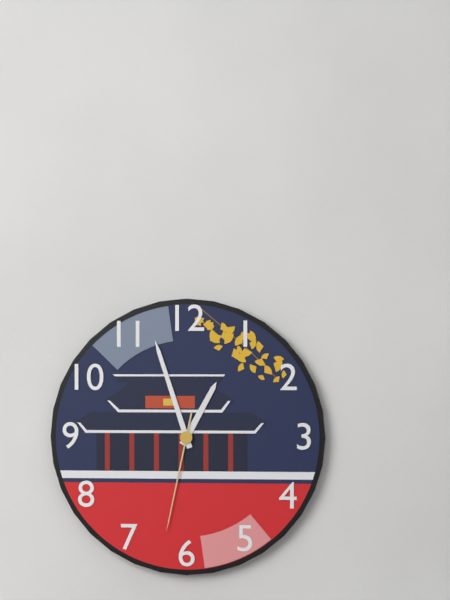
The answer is 12.57.32
